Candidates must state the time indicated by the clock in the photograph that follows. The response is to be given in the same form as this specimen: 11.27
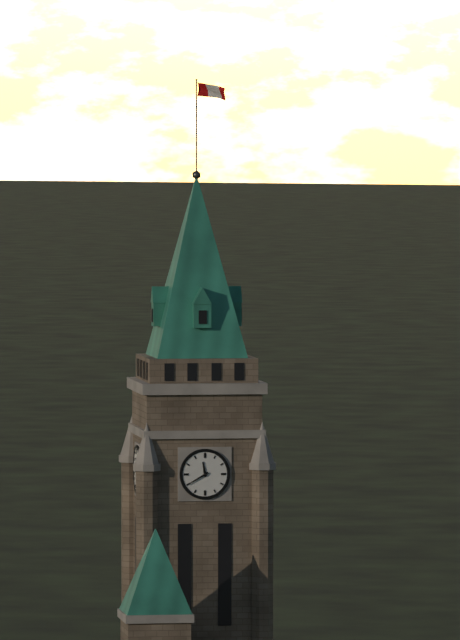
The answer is 11.40
